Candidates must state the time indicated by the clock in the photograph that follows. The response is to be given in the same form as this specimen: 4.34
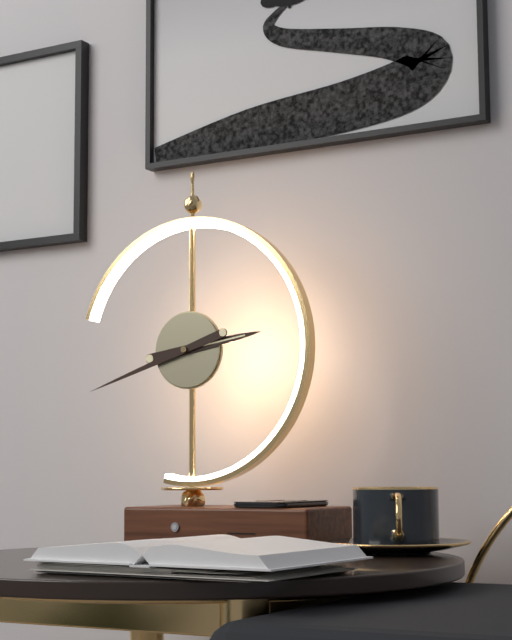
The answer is 2.42
